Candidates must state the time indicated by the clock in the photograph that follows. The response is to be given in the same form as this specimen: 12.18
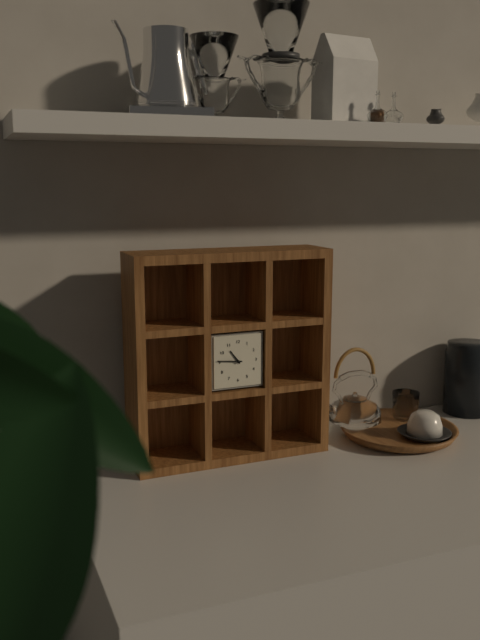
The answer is 10.46
